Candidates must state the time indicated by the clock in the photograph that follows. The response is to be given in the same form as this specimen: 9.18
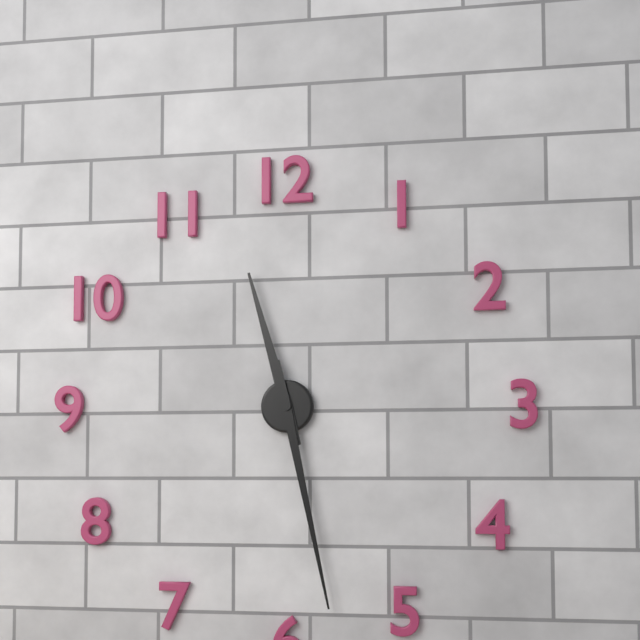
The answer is 11.28
